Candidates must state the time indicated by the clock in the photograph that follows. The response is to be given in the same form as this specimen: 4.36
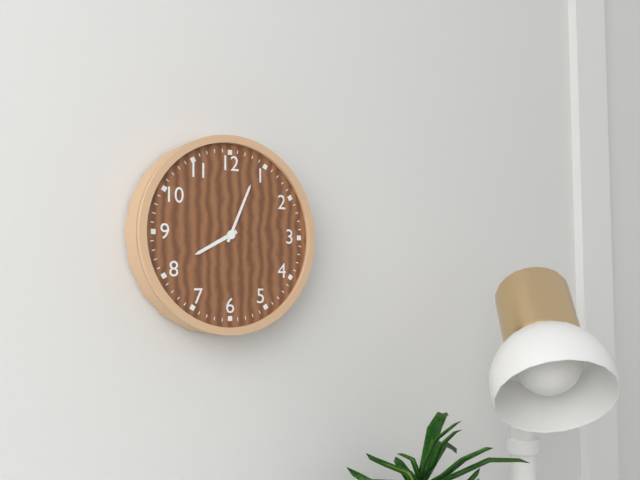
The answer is 8.04
